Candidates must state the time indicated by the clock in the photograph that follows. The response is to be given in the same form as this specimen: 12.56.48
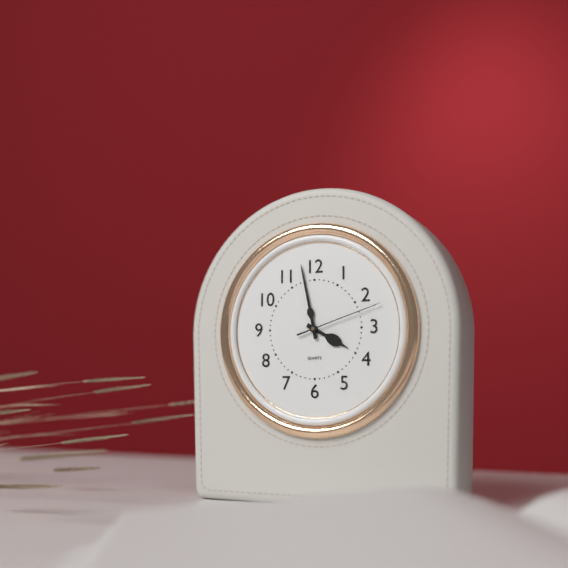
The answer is 3.58.12
